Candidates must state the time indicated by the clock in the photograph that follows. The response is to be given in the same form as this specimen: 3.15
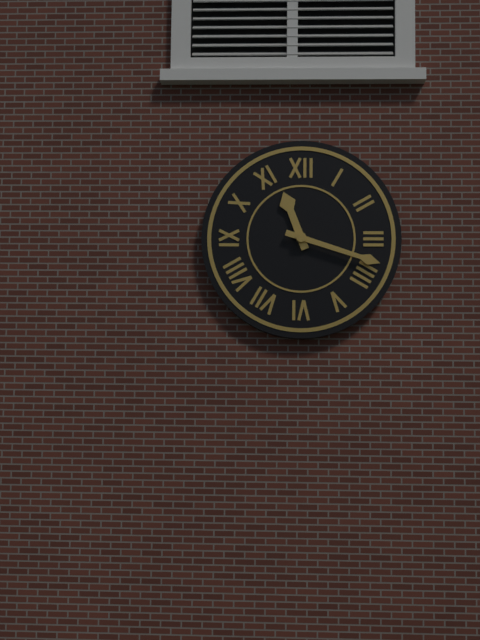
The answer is 11.18
